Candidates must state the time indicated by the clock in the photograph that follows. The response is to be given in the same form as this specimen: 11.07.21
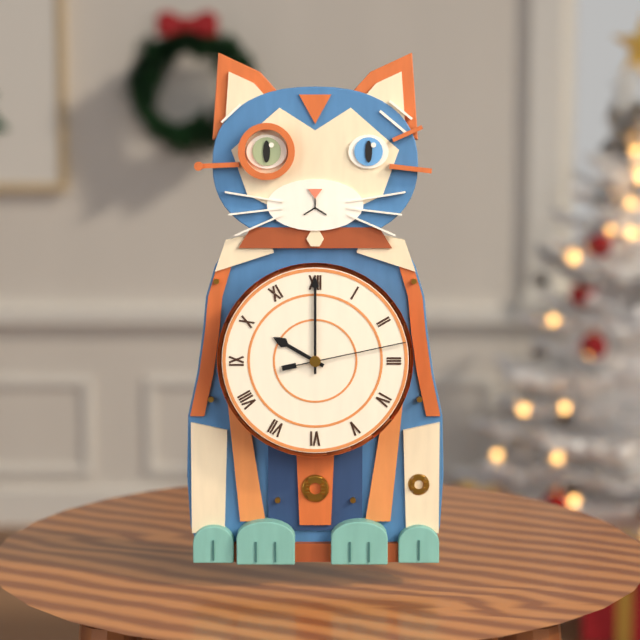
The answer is 10.00.13
